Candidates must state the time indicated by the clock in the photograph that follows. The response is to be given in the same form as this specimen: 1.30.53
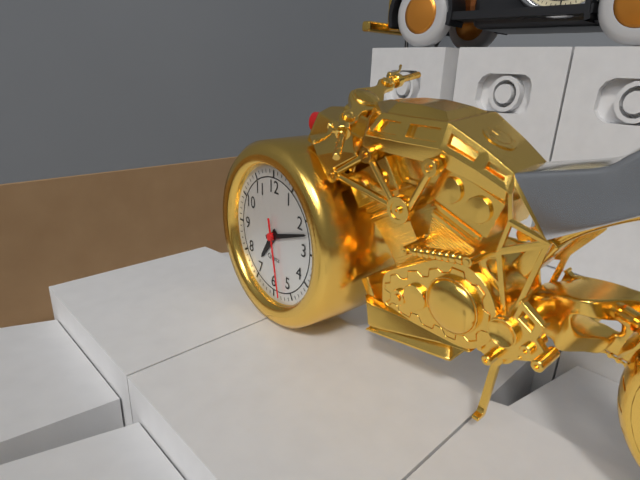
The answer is 7.12.28
